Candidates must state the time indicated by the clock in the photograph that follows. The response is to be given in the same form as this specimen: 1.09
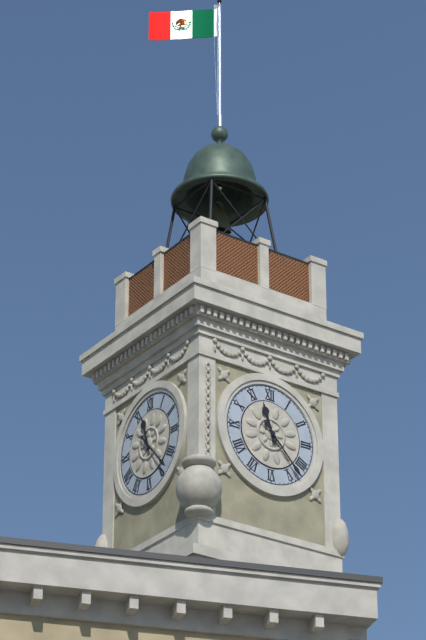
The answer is 11.23
